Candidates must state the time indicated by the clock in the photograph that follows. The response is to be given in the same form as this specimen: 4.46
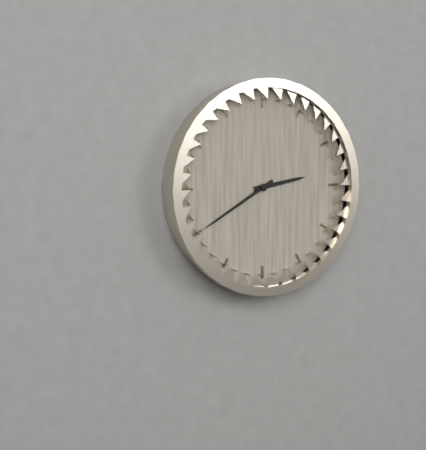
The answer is 2.40
